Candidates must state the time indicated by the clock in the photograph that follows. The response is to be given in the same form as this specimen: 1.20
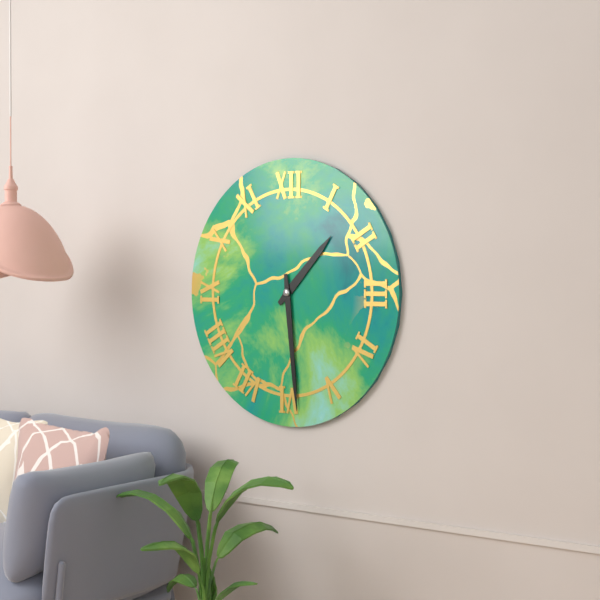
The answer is 1.29
